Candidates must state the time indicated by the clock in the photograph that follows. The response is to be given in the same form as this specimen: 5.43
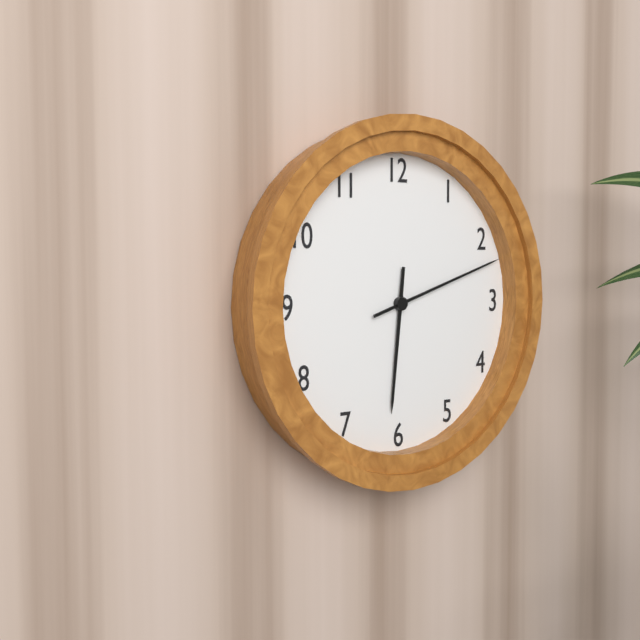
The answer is 6.12
